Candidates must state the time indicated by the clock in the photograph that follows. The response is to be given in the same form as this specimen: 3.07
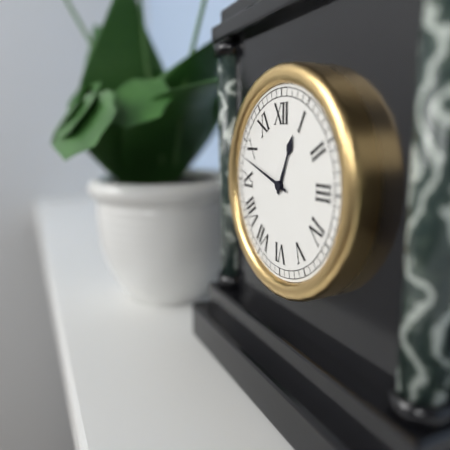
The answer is 12.48
